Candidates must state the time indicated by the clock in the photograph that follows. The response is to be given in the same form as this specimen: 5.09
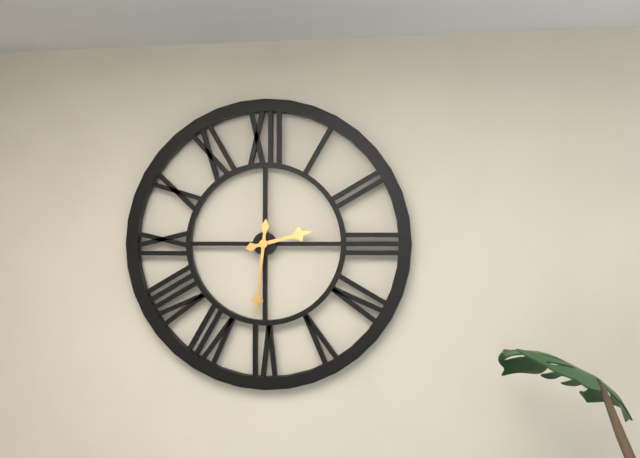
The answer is 2.31
